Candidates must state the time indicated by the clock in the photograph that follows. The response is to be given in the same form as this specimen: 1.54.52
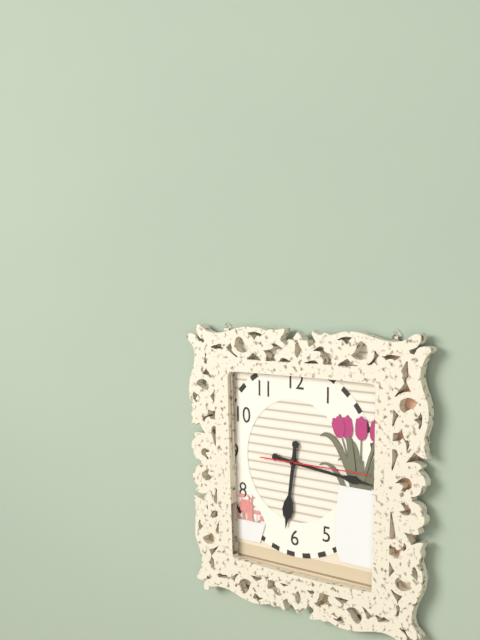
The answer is 6.16.15
